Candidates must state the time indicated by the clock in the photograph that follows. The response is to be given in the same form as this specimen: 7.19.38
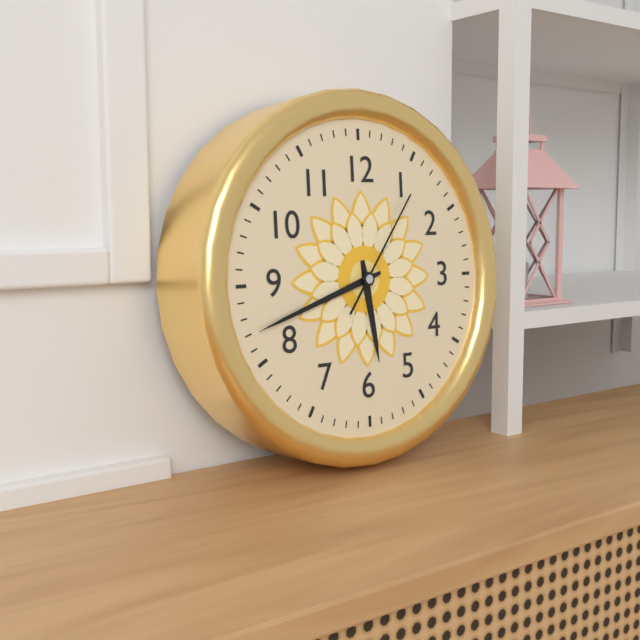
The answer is 5.42.06
